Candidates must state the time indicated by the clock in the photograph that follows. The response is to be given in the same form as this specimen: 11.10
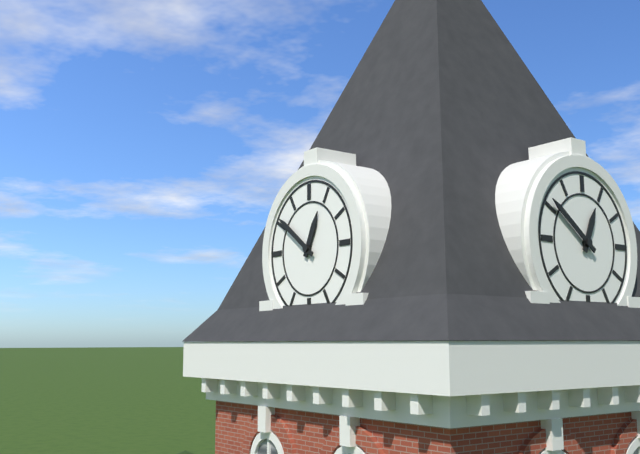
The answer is 12.51
